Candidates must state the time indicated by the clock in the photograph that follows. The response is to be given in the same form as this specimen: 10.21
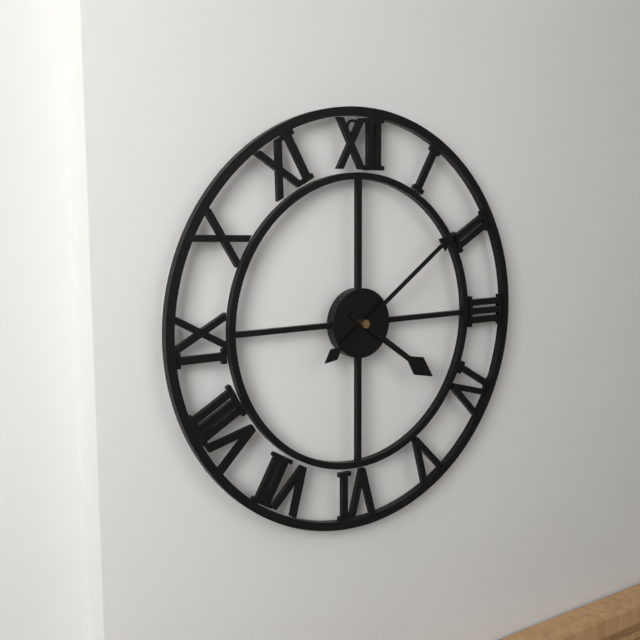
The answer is 4.09
